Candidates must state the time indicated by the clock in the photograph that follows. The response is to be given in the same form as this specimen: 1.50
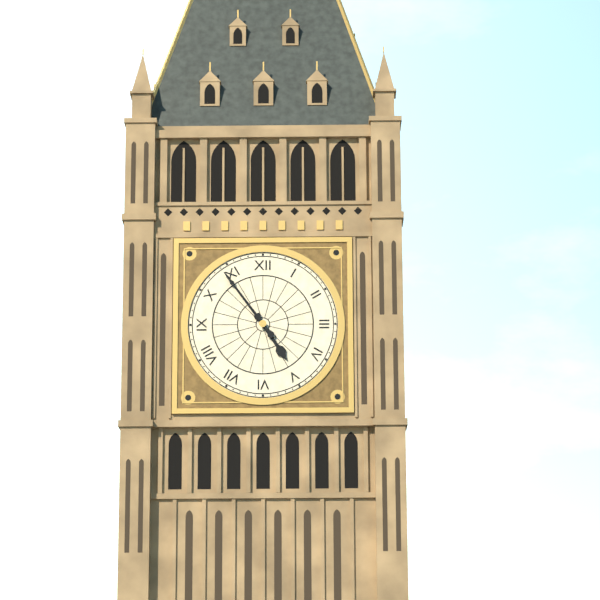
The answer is 4.54
